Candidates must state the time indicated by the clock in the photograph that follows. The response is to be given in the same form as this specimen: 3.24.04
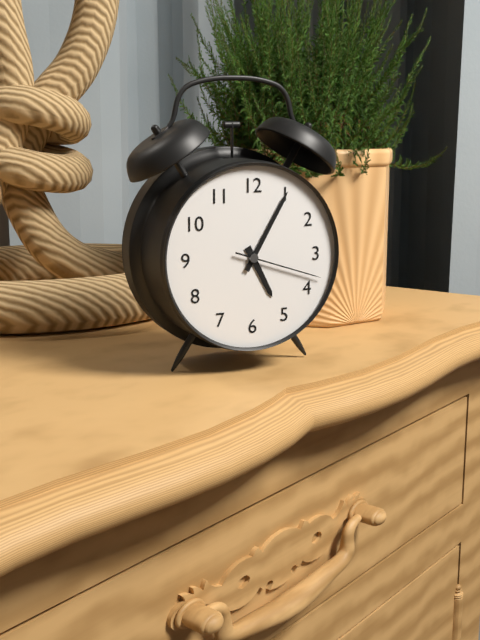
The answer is 5.05.18
